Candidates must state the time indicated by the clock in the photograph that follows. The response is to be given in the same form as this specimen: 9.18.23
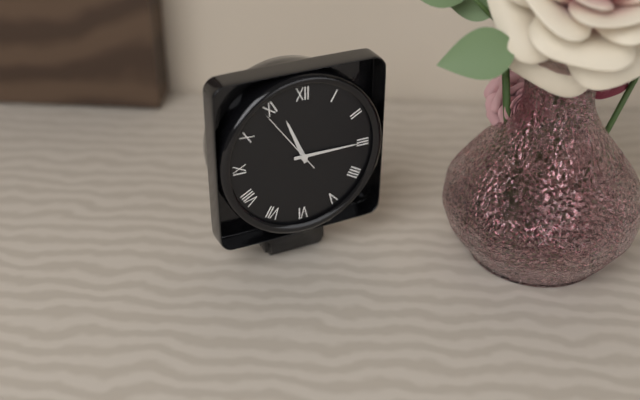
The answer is 11.15.54
